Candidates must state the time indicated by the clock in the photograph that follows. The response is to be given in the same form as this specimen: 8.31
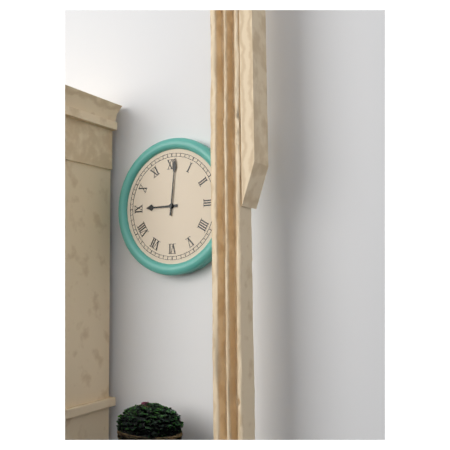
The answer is 9.01
